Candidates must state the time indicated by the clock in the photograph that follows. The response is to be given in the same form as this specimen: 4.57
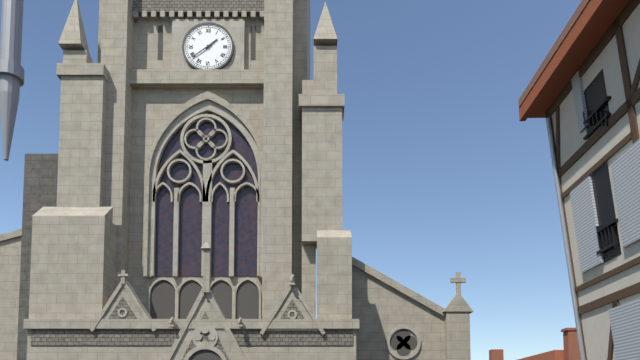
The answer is 1.39
